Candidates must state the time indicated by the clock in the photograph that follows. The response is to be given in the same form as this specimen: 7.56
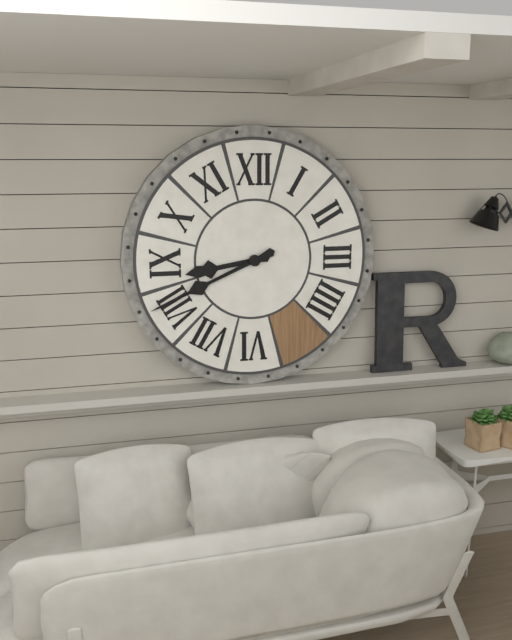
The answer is 8.41
